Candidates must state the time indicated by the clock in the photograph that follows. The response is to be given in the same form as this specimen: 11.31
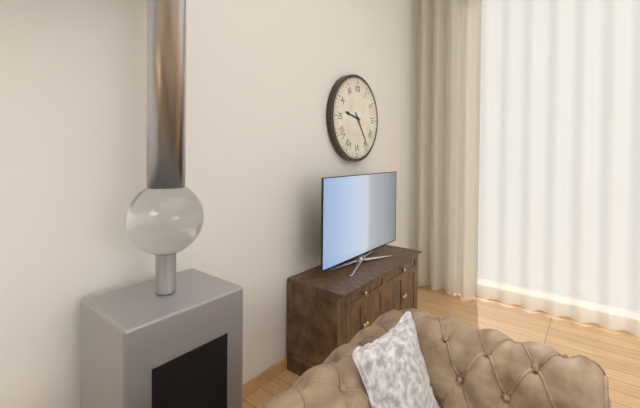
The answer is 9.24
